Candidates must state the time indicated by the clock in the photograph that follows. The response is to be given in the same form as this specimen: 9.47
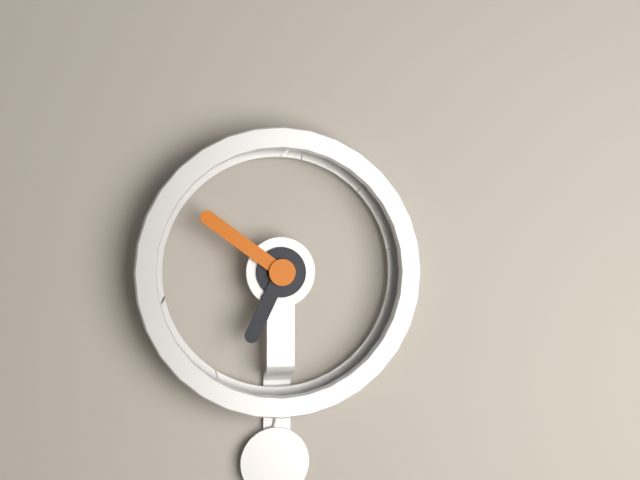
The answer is 6.51
